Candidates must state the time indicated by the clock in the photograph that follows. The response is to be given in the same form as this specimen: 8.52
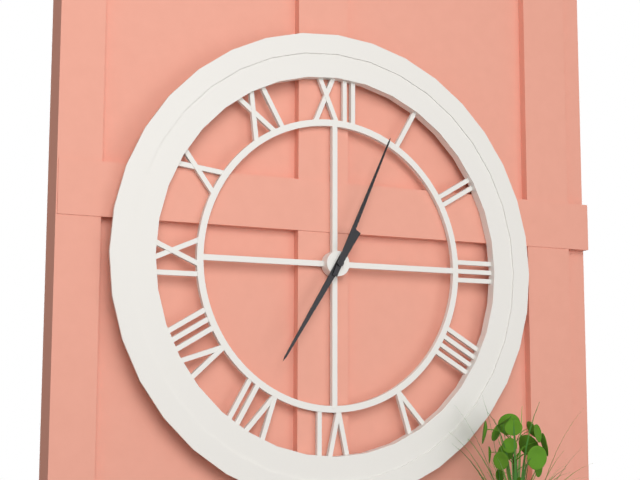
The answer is 7.04
